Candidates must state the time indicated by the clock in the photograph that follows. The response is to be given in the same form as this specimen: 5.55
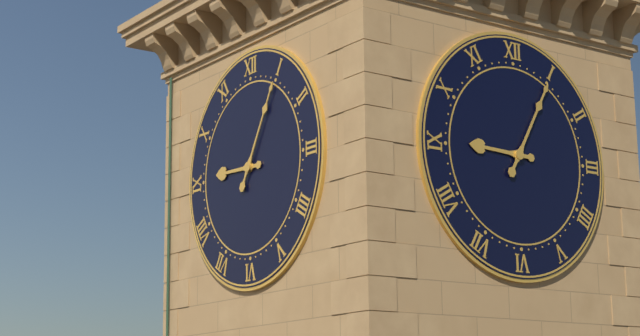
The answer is 9.05
